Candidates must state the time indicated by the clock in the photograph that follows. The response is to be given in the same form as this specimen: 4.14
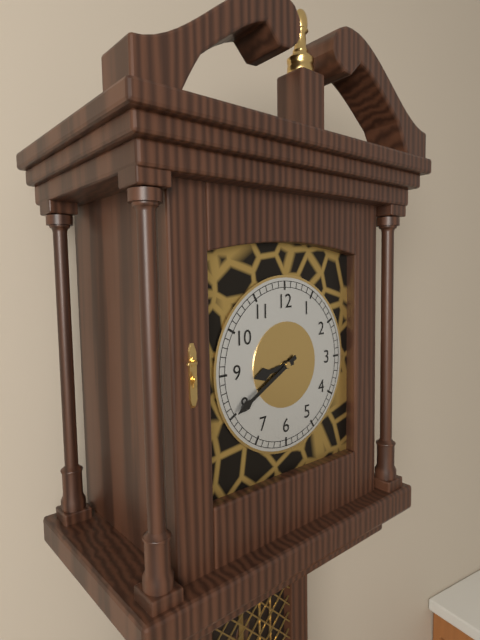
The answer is 8.40
